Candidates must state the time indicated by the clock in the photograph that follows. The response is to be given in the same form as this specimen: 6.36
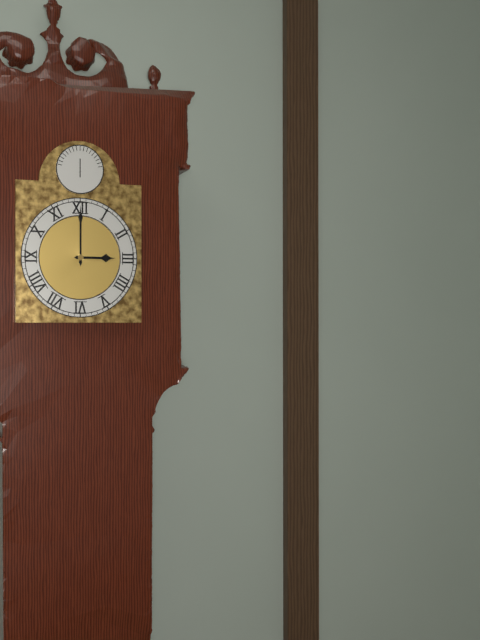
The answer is 3.00
